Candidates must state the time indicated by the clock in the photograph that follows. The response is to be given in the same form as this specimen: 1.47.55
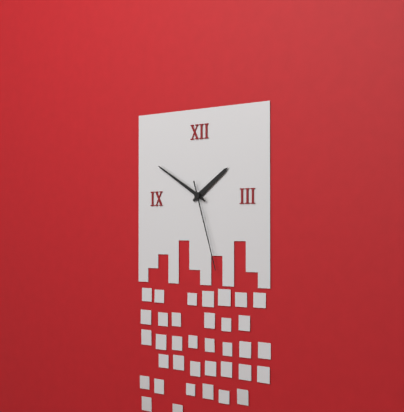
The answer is 1.50.27
